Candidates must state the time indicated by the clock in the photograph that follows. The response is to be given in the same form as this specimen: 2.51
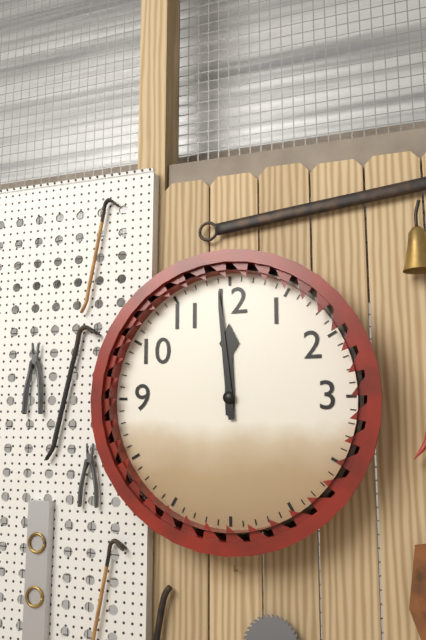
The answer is 11.59
